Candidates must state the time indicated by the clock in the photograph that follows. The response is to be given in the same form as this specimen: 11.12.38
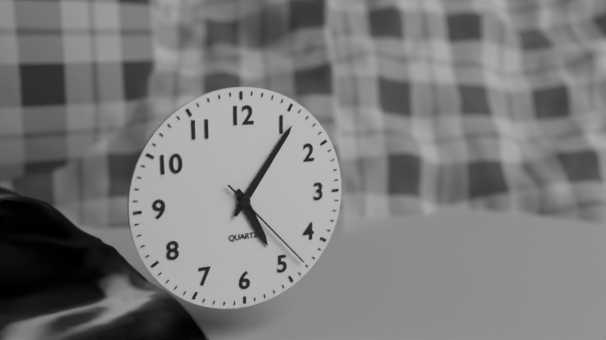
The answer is 5.06.23
